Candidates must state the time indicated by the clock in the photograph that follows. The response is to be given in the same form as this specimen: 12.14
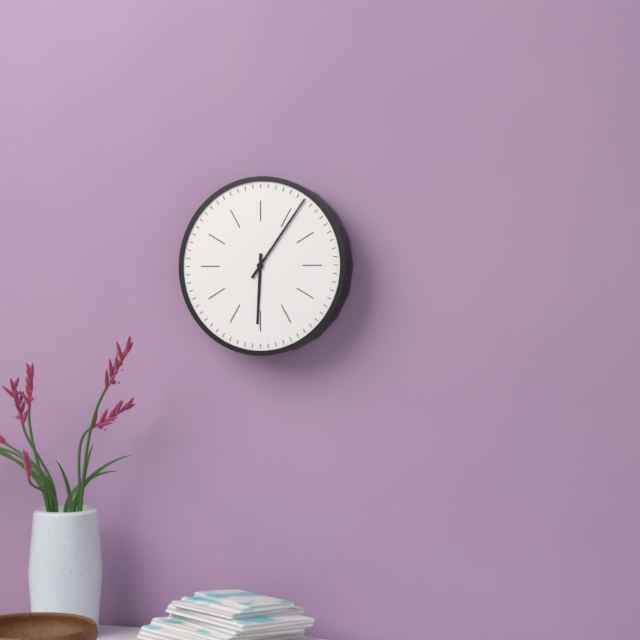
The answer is 6.06
